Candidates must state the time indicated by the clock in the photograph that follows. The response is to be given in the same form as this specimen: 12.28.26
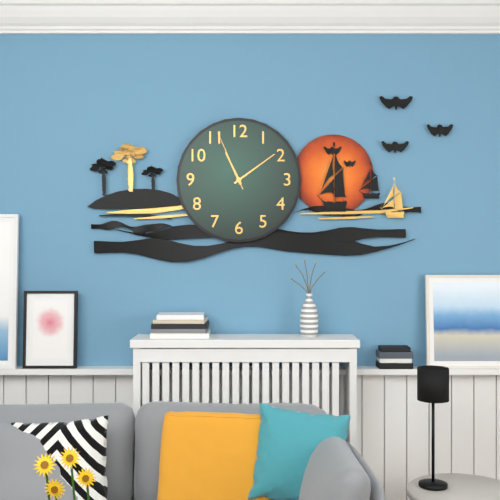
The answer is 11.09.56
